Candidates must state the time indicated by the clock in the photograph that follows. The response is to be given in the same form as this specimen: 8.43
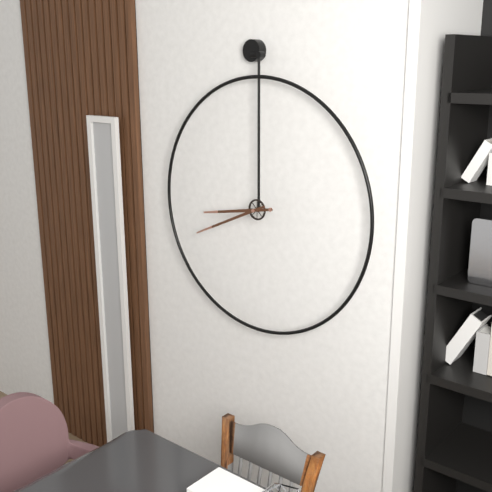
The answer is 8.41
